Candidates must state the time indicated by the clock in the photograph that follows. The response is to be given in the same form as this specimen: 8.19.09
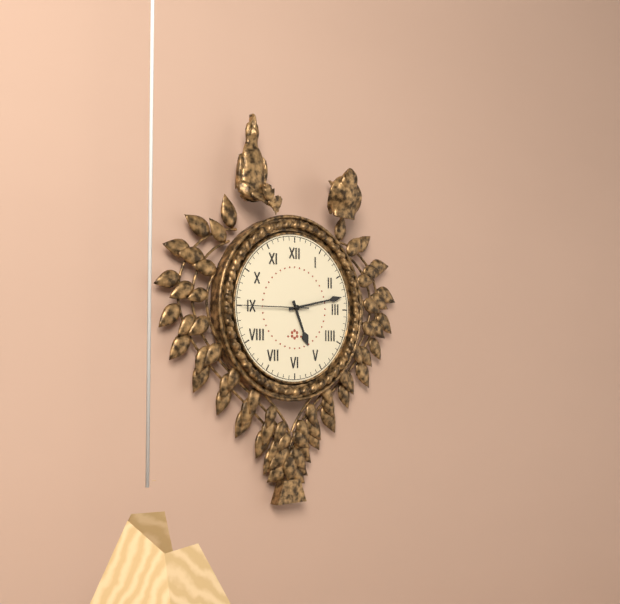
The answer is 5.13.45
